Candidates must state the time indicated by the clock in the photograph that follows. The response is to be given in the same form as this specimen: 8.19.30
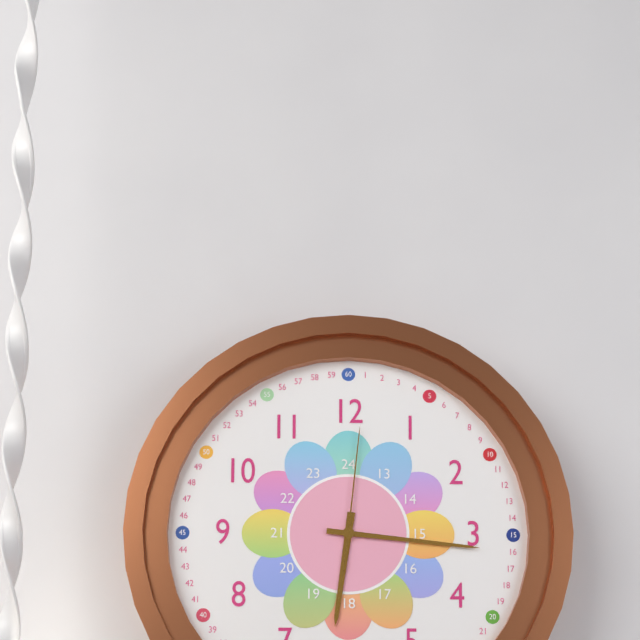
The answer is 6.16.01
